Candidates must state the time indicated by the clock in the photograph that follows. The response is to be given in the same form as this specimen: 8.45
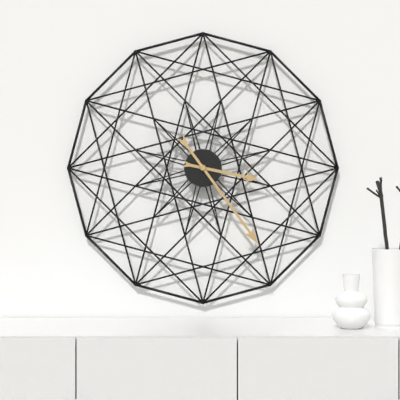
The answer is 3.24
